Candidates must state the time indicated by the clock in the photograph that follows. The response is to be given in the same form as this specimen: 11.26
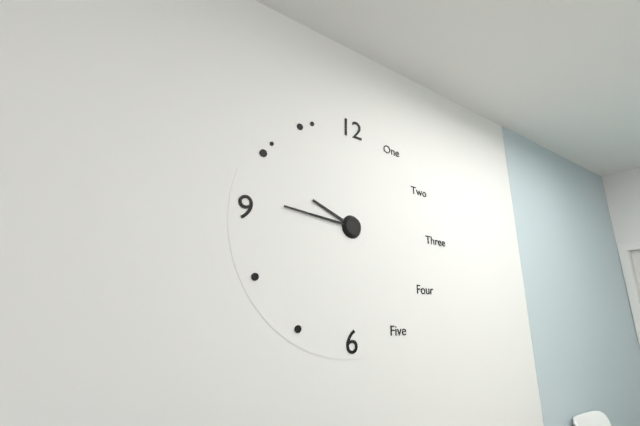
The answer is 9.46
